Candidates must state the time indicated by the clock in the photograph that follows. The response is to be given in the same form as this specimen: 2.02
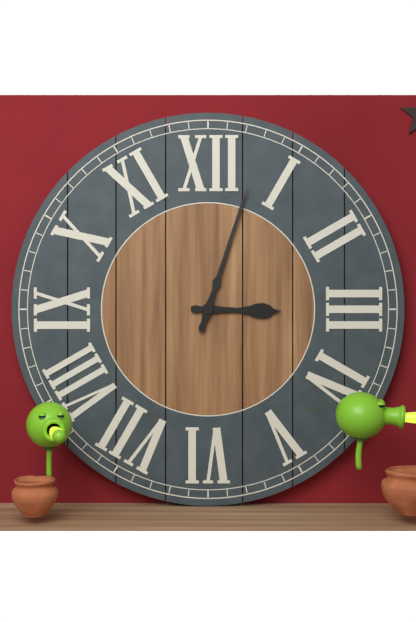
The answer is 3.03
